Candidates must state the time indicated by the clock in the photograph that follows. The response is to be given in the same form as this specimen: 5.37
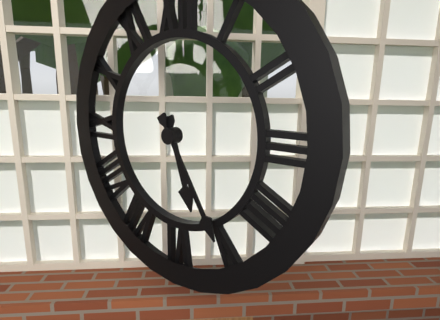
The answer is 5.25
